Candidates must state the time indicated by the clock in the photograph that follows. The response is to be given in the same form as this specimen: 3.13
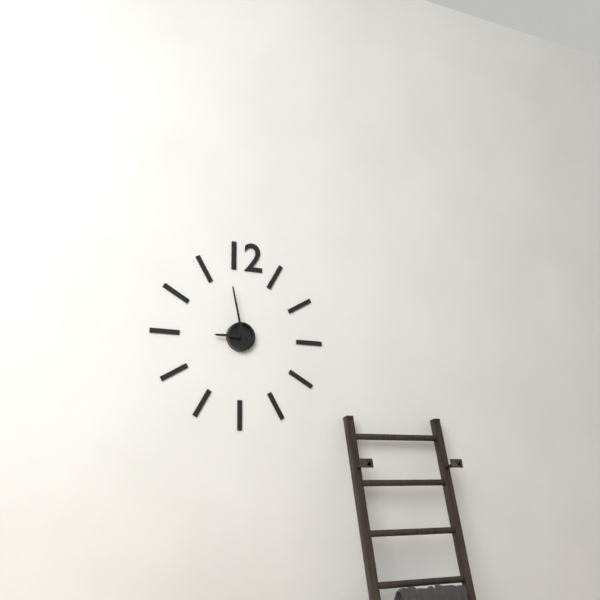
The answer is 8.58
